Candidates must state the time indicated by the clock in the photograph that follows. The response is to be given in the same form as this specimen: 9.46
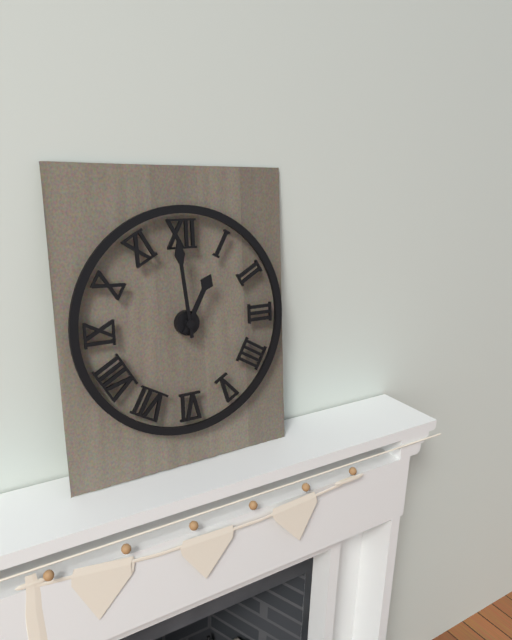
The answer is 12.59
